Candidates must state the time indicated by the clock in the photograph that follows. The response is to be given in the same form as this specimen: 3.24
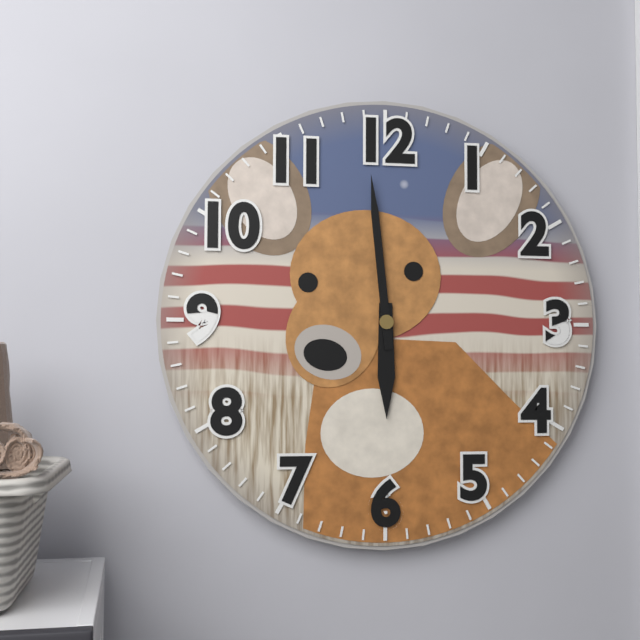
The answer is 5.59
